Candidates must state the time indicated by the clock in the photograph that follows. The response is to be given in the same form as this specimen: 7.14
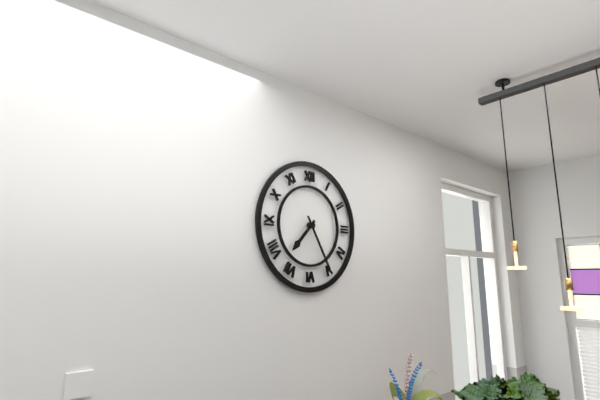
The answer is 7.25
